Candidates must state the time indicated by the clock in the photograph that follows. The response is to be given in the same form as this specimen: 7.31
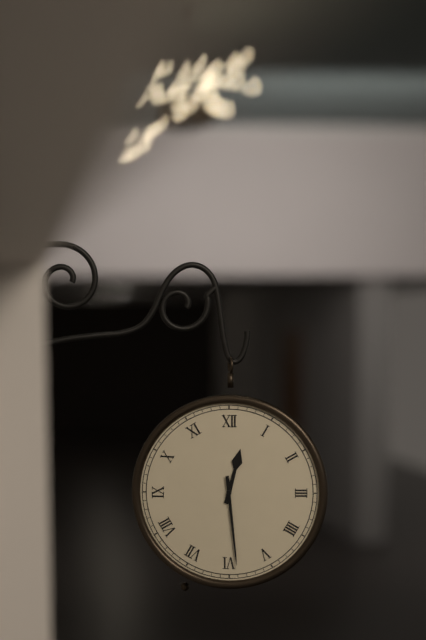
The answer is 12.29
